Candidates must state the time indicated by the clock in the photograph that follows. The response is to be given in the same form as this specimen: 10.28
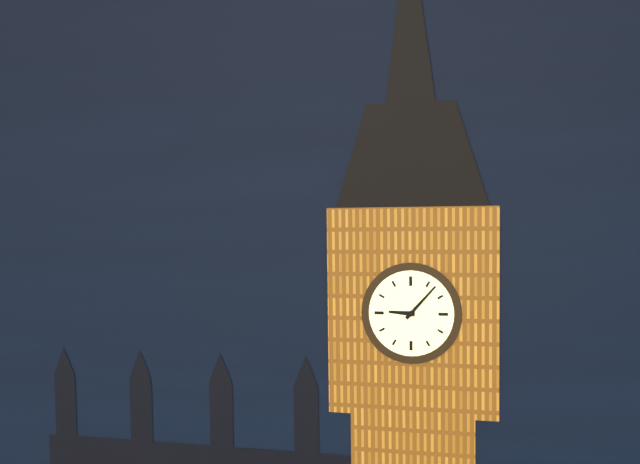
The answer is 9.07
